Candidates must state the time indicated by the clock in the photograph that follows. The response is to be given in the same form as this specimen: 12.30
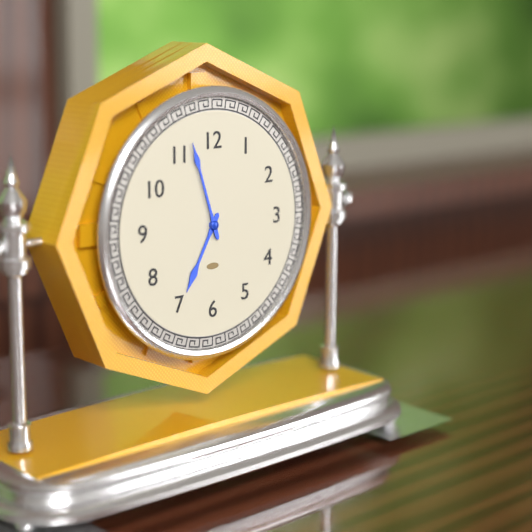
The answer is 6.57
